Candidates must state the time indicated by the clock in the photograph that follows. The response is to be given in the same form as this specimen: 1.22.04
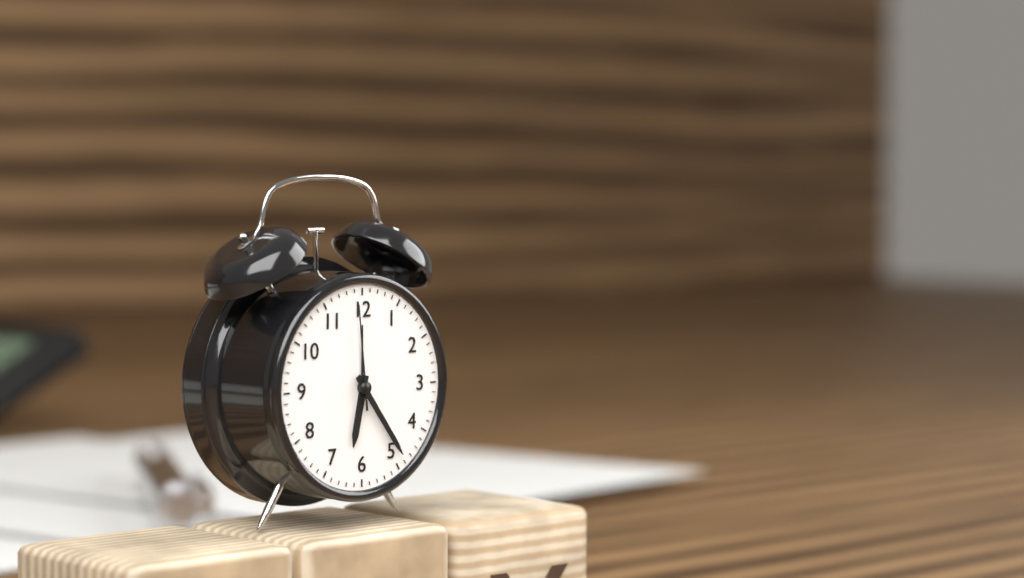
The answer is 6.24.59
